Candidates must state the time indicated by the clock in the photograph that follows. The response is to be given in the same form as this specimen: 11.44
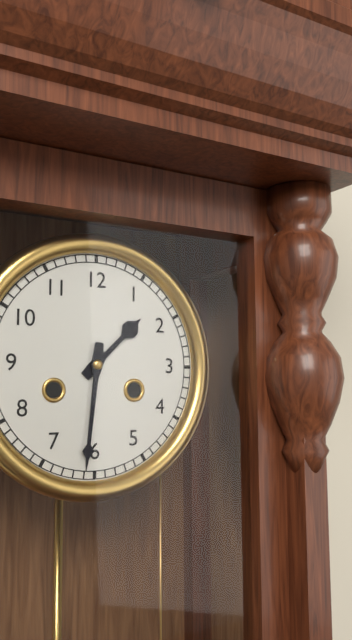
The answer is 1.31
